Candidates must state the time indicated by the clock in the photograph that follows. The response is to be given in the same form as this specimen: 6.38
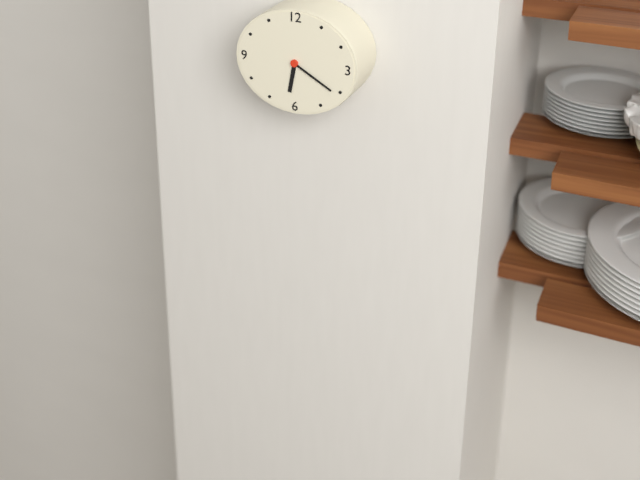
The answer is 6.20
